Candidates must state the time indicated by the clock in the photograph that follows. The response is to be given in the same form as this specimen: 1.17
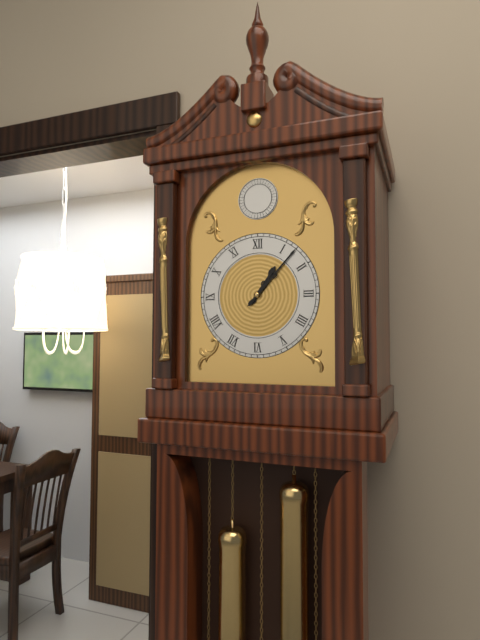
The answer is 1.07
